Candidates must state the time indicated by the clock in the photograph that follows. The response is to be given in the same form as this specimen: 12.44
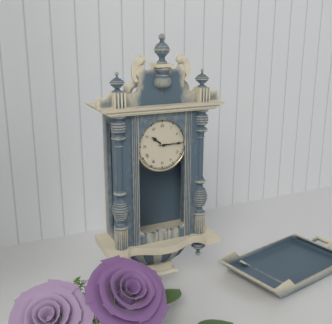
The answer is 10.15
